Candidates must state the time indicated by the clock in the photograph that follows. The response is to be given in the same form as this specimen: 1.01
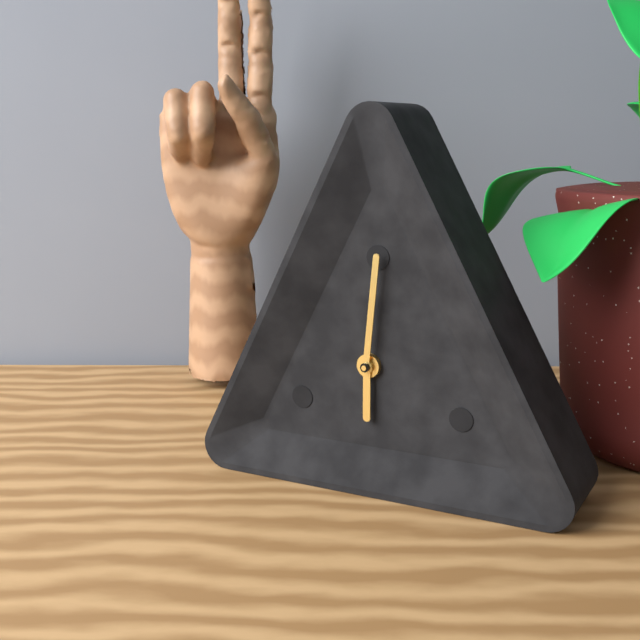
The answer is 6.01
